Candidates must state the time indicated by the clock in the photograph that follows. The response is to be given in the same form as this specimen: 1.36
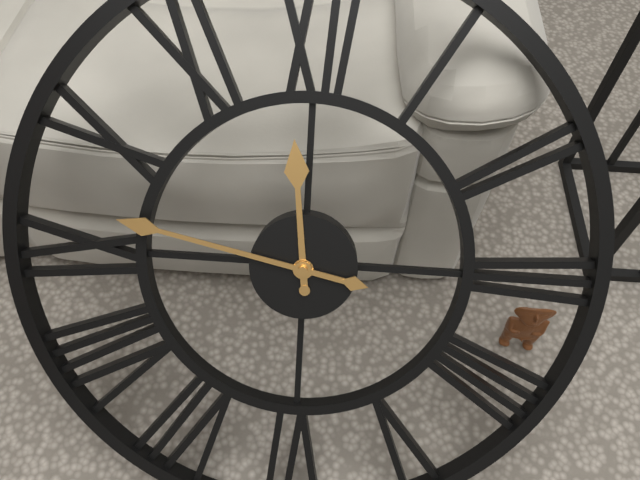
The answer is 11.47
